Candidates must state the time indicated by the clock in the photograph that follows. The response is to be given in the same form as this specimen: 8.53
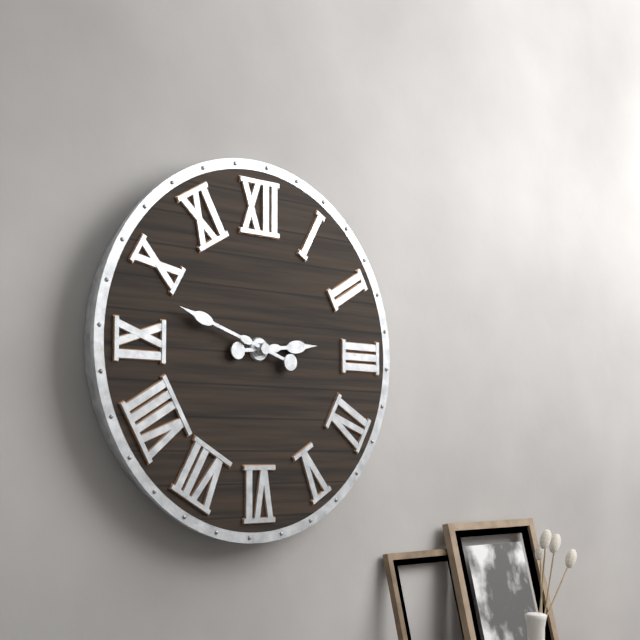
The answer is 2.48
